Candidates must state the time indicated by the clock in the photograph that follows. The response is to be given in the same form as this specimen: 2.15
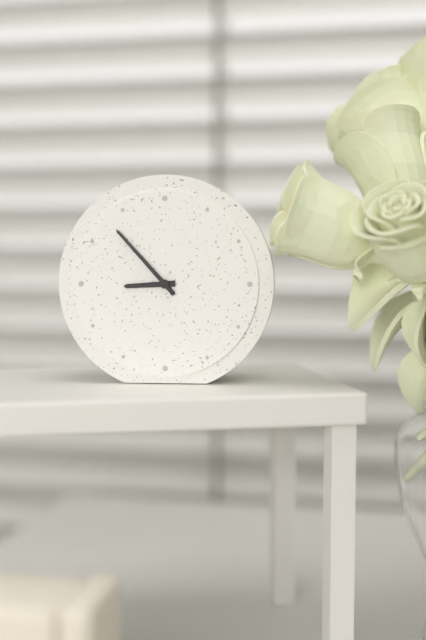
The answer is 8.53
